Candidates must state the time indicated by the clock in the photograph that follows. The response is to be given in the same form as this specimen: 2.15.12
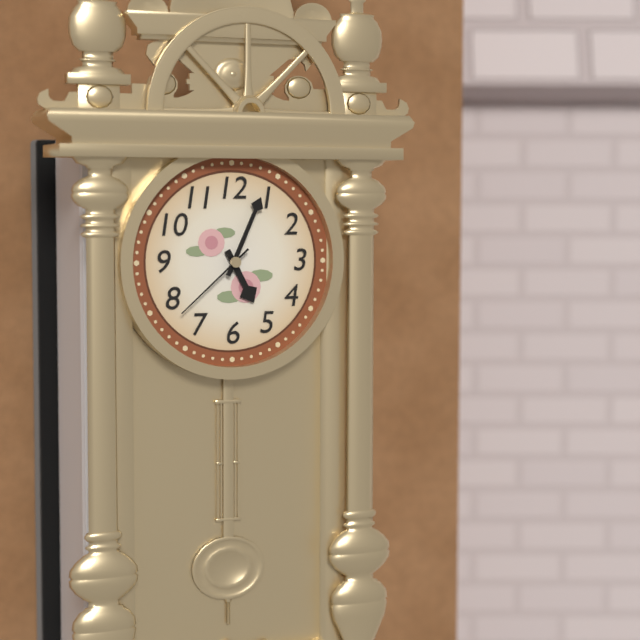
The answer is 5.04.38
